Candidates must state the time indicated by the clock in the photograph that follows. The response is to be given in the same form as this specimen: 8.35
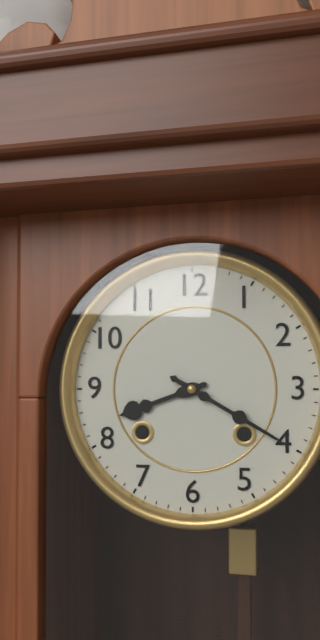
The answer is 8.20
